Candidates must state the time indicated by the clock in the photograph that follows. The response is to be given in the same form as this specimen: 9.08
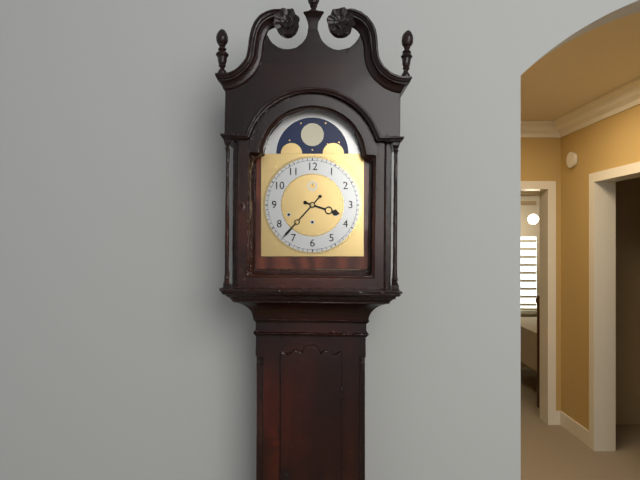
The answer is 3.37
